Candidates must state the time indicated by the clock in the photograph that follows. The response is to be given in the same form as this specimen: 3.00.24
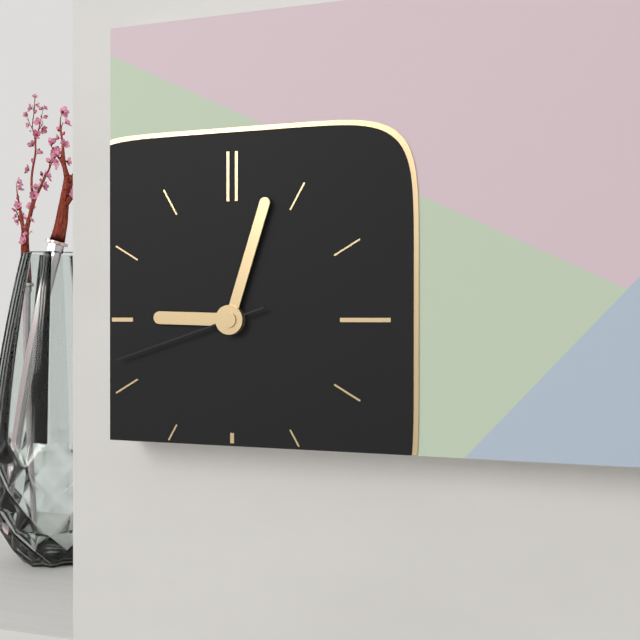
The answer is 9.03.42
